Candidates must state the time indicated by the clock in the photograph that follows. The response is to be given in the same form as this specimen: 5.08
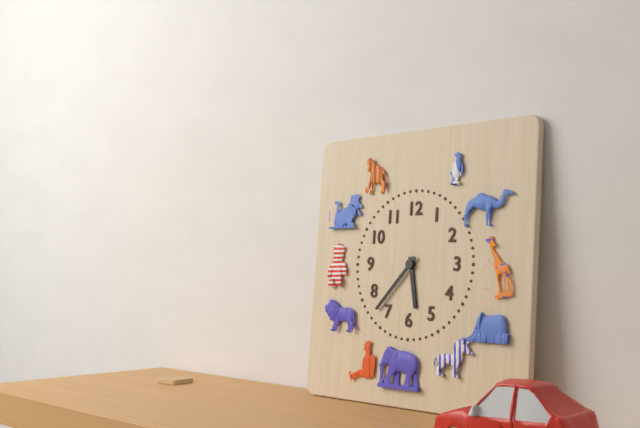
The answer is 5.37
